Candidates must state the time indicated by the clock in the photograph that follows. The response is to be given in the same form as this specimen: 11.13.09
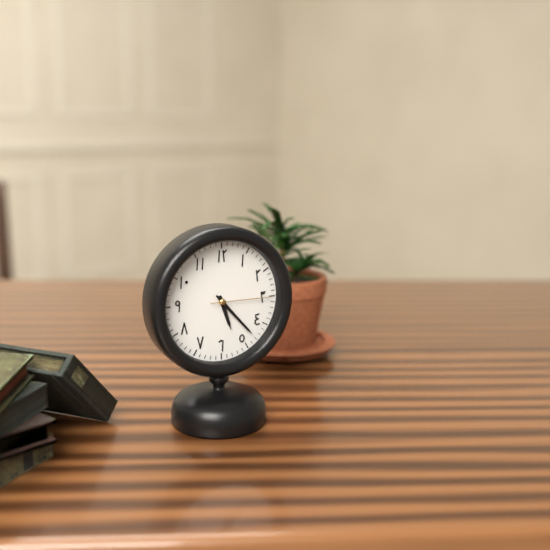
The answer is 5.23.15
